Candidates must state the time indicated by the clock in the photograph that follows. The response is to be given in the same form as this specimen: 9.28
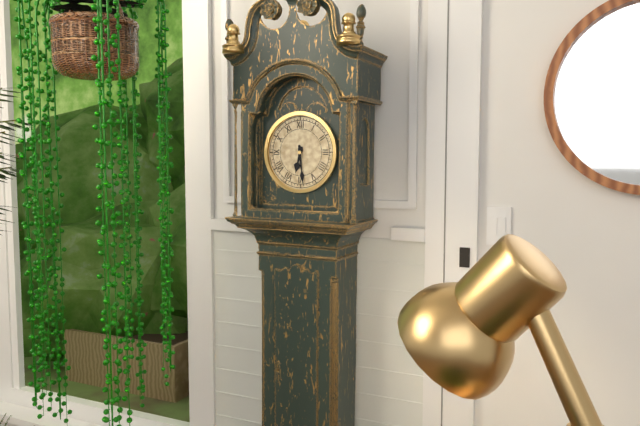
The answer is 6.29
